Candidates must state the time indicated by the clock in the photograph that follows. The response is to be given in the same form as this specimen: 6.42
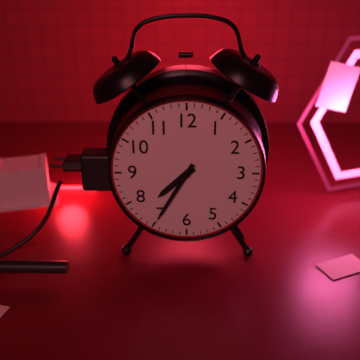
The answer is 7.35
